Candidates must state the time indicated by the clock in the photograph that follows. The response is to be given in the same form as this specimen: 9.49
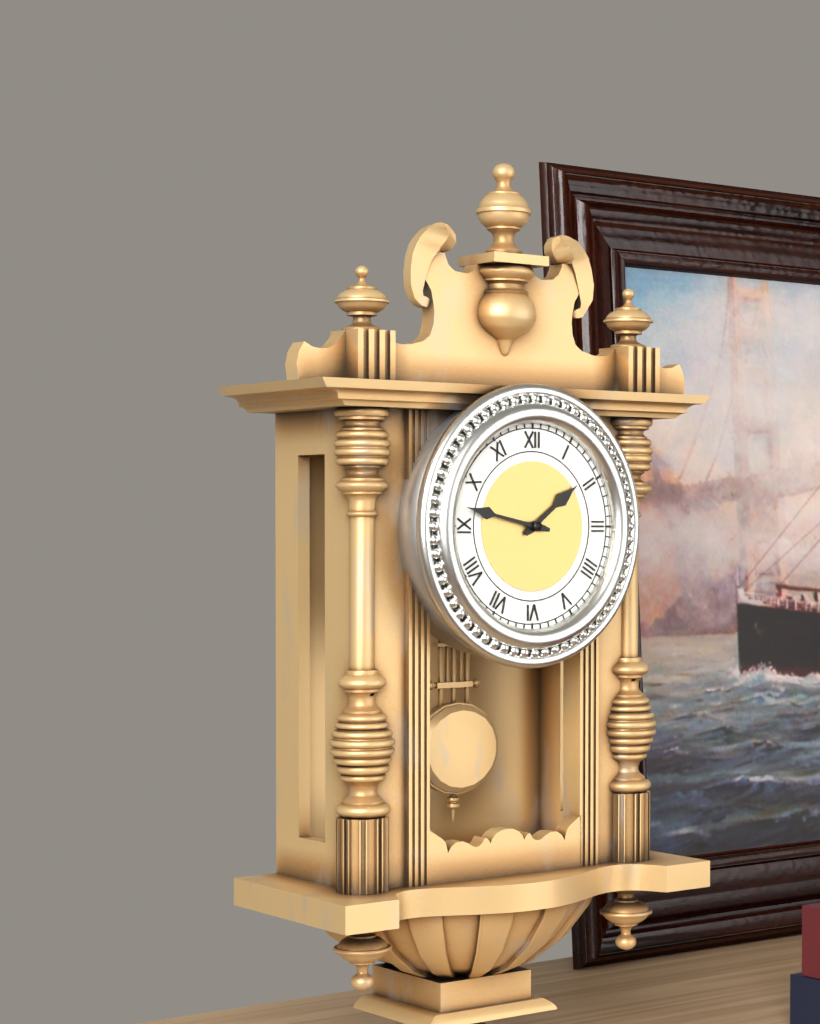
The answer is 1.47
